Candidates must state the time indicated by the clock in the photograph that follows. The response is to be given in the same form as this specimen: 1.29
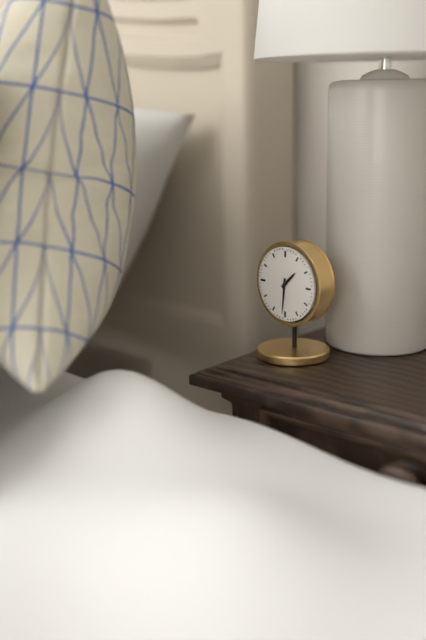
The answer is 1.31
